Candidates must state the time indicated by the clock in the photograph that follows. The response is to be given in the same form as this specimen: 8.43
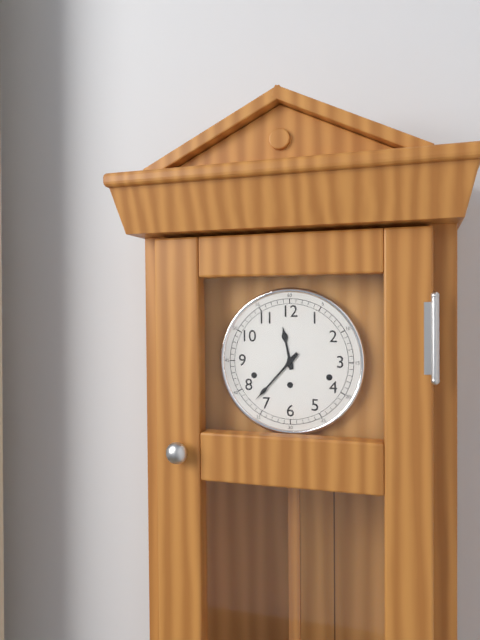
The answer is 11.37
